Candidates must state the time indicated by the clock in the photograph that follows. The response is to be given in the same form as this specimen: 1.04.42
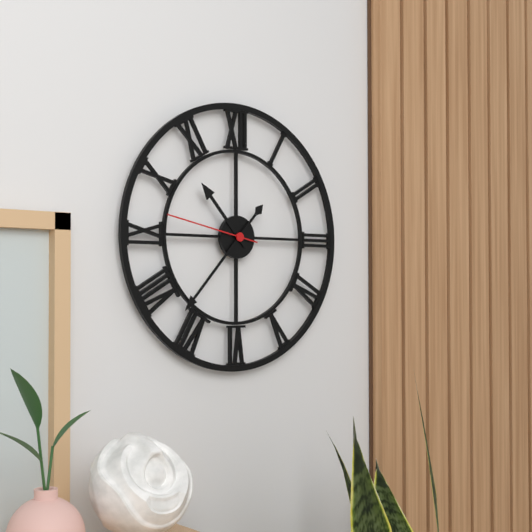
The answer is 10.37.47
